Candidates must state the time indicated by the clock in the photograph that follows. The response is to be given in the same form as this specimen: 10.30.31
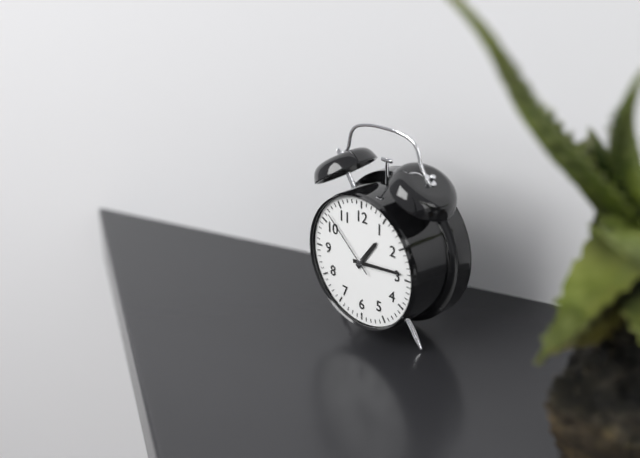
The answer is 1.14.52
